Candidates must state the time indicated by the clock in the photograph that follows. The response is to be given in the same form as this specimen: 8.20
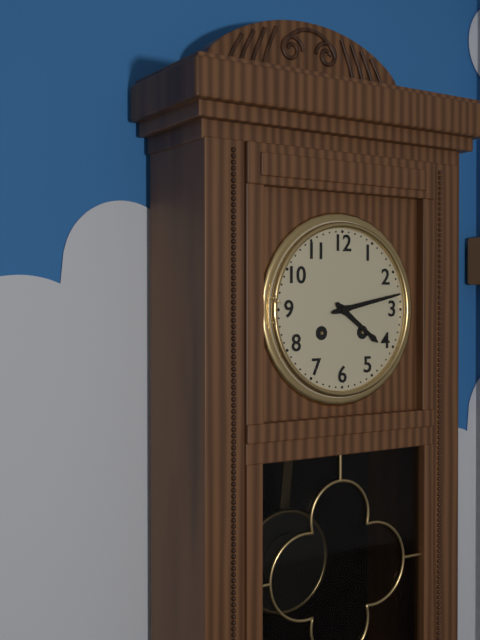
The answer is 4.13
